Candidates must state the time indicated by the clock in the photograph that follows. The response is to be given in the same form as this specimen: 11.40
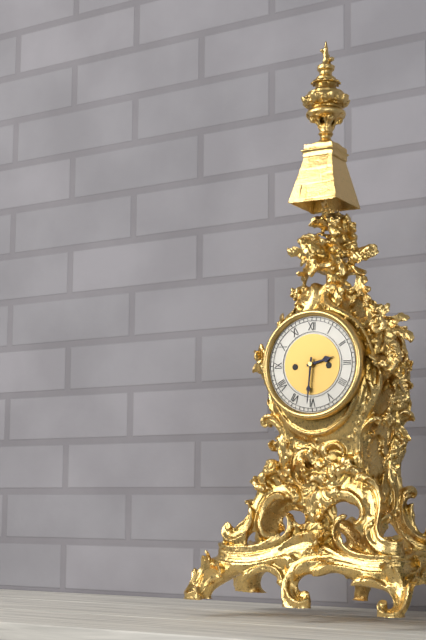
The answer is 2.31
